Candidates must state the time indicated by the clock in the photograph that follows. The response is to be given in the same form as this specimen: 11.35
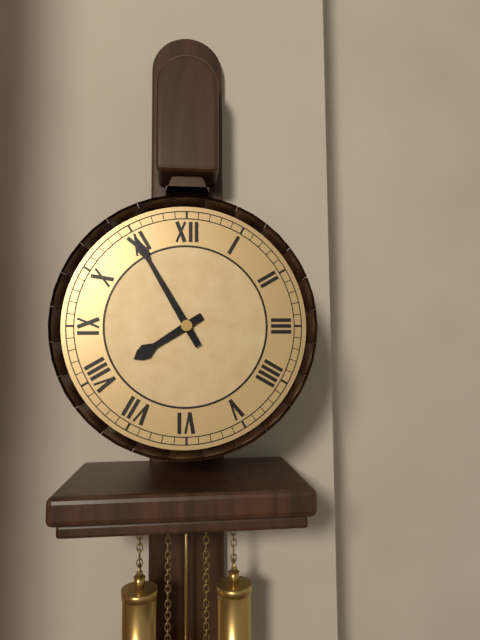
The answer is 7.55
